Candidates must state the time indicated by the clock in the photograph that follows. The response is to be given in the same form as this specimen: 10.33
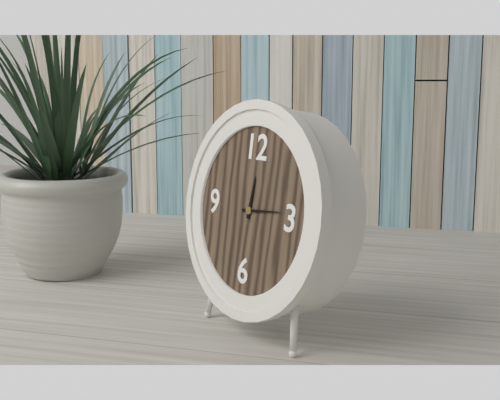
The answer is 12.14
